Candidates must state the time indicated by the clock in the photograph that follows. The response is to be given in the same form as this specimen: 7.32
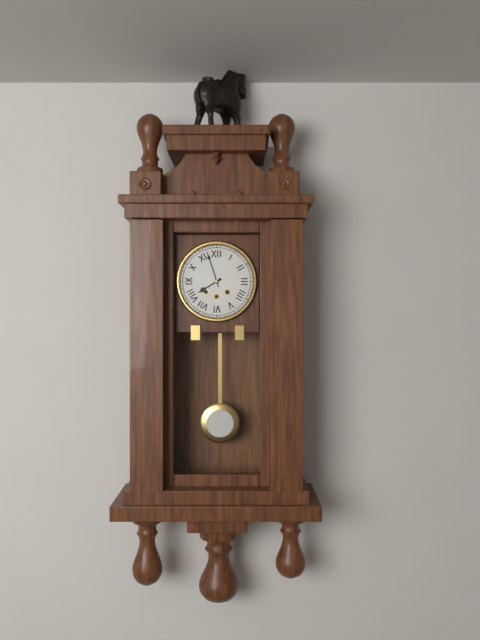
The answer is 7.57
